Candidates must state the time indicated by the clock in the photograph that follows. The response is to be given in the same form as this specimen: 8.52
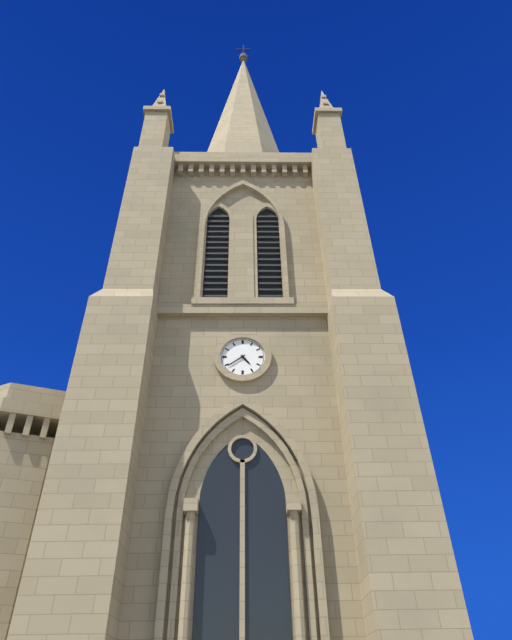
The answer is 4.39
